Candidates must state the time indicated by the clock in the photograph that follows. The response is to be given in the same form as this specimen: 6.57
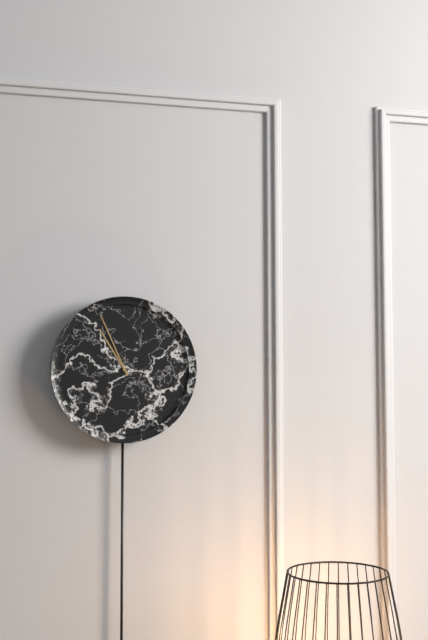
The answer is 10.56
